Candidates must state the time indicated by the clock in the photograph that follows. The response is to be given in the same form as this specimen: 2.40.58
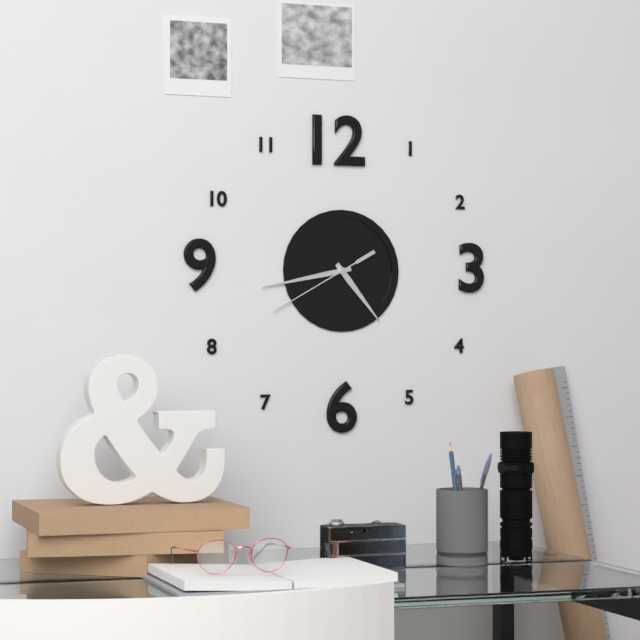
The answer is 4.43.40
